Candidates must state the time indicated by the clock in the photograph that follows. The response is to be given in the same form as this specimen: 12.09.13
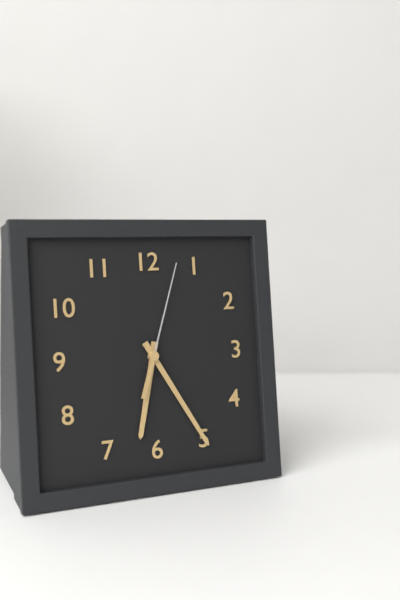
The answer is 6.25.03
